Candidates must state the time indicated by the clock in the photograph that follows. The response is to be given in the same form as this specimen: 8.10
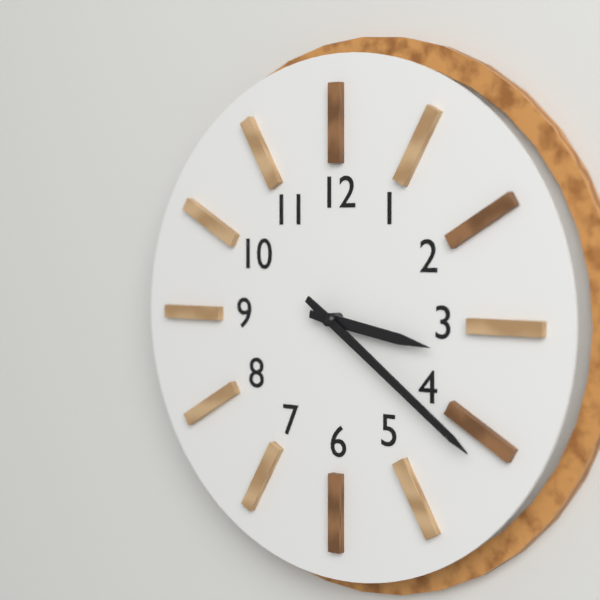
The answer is 3.21
